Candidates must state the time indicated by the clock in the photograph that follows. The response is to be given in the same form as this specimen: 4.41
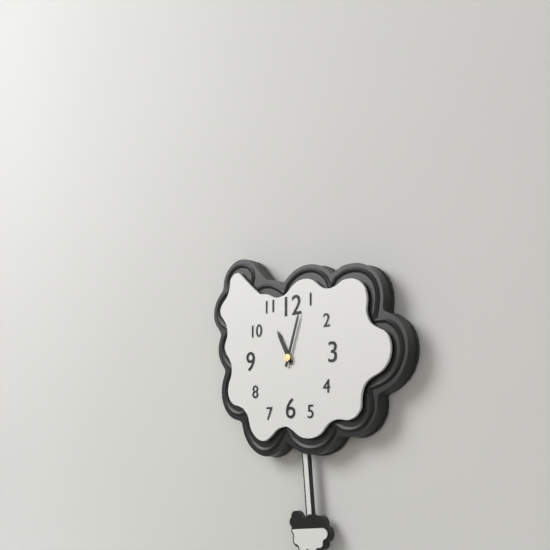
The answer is 11.03
